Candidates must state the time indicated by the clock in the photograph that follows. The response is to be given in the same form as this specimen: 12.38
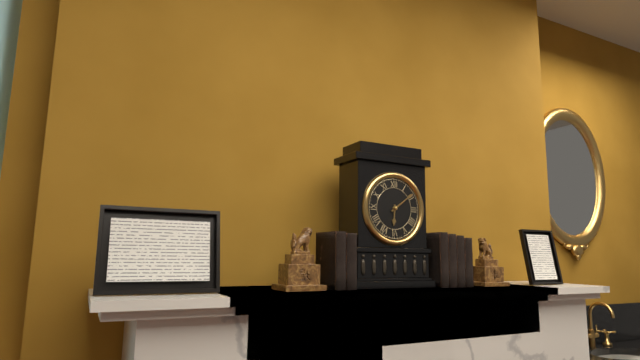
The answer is 6.09
